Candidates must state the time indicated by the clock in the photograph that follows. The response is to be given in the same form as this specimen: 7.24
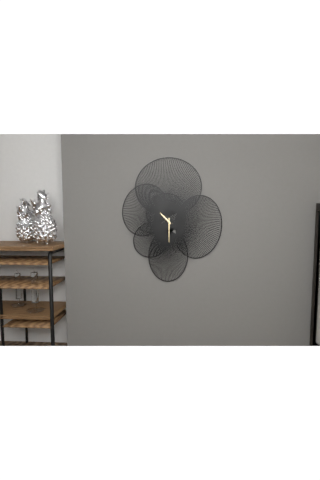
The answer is 10.30
